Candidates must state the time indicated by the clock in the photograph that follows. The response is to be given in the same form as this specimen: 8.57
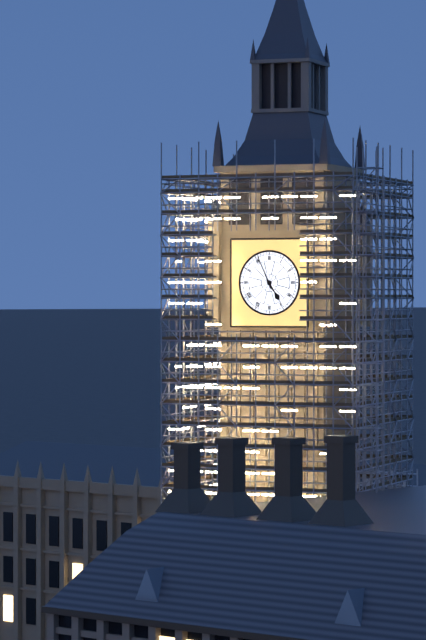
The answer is 4.56
